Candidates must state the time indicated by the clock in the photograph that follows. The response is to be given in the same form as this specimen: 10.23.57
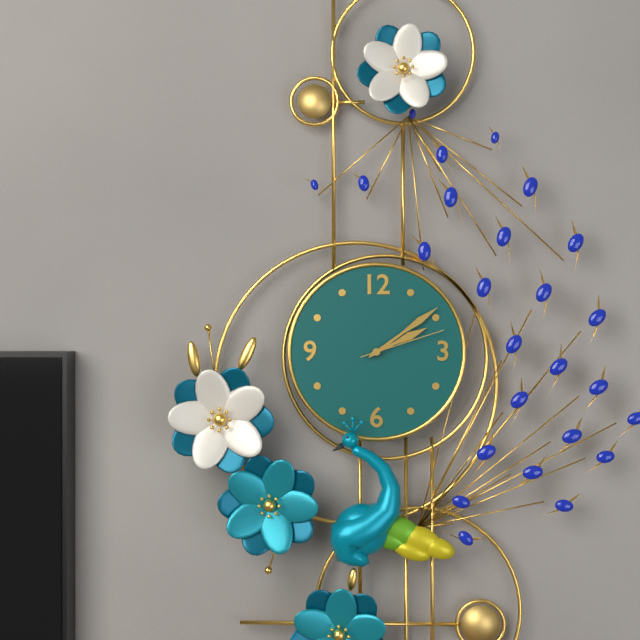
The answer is 2.09.12
